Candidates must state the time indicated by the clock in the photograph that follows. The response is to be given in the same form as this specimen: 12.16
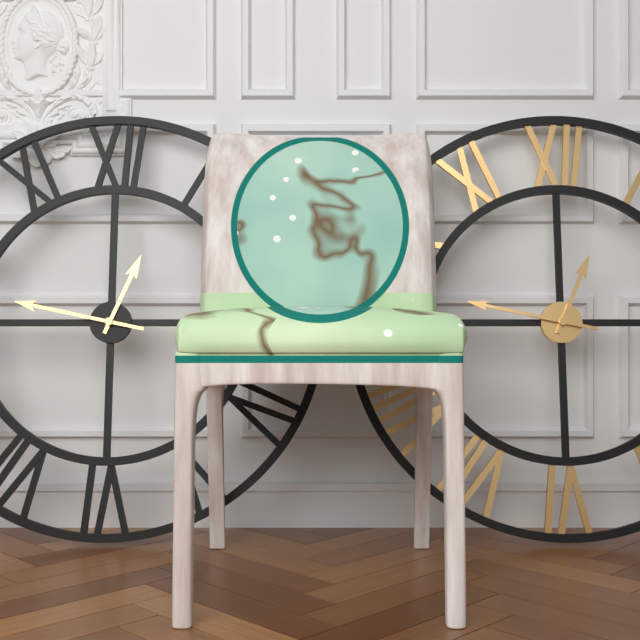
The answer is 12.47
